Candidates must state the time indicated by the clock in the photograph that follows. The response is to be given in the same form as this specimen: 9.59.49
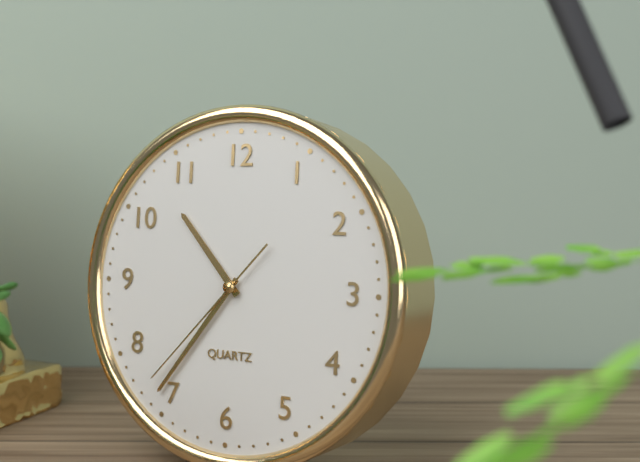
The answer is 10.36.37
